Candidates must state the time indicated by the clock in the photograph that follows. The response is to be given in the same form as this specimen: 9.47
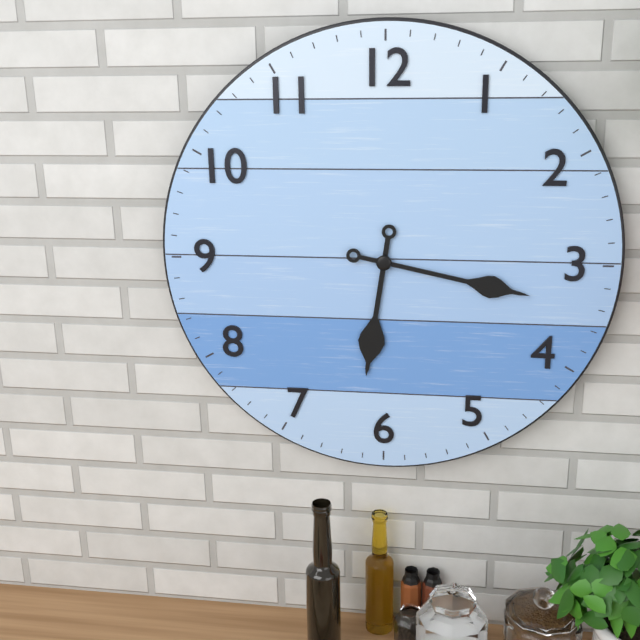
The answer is 6.17
